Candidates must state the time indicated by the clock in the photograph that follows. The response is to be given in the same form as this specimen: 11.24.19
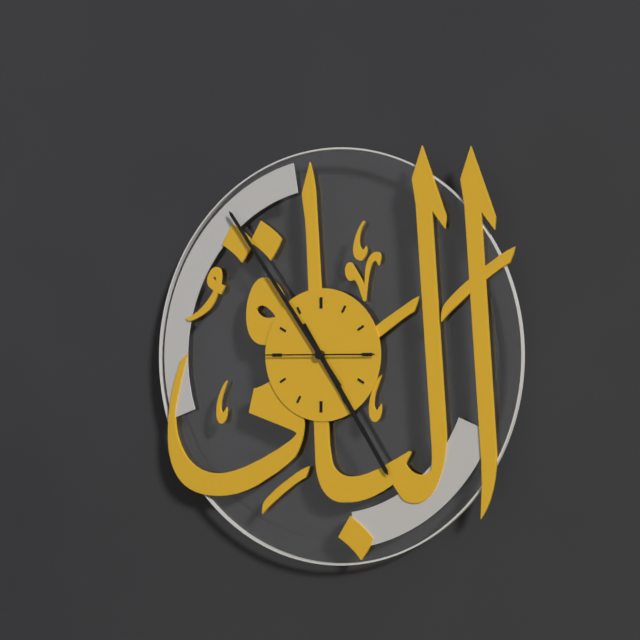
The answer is 4.54.45
